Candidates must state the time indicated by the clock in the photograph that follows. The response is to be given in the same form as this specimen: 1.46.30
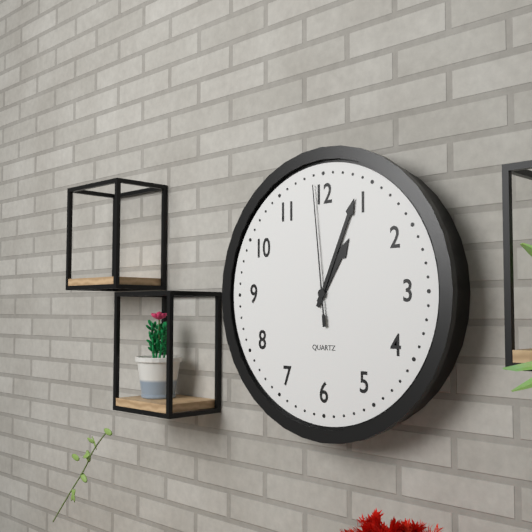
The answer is 1.04.59
